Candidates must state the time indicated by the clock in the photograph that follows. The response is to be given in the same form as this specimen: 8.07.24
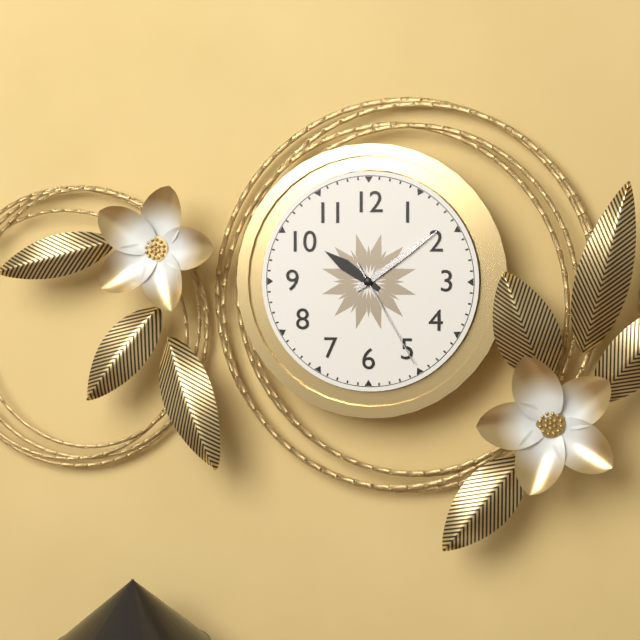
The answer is 10.09.25
